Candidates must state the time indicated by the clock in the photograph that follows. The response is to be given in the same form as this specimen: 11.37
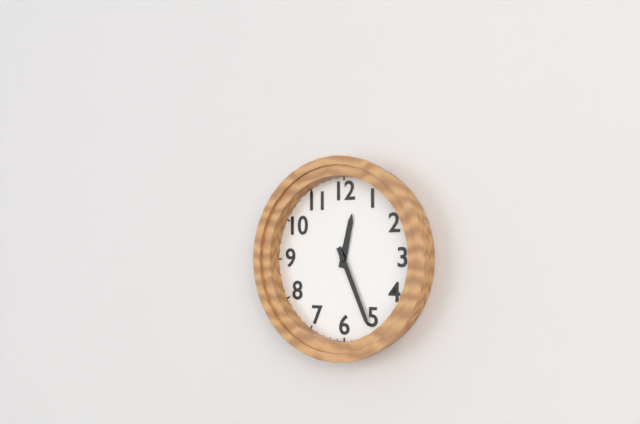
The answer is 12.26
